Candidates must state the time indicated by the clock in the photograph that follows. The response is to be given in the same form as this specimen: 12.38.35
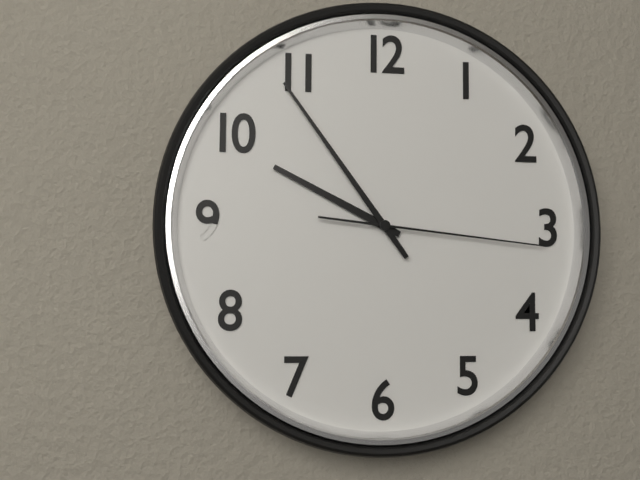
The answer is 9.54.16
